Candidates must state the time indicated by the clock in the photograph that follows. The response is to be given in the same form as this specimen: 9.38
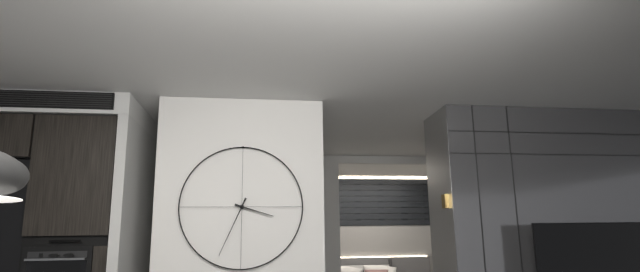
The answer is 3.34
